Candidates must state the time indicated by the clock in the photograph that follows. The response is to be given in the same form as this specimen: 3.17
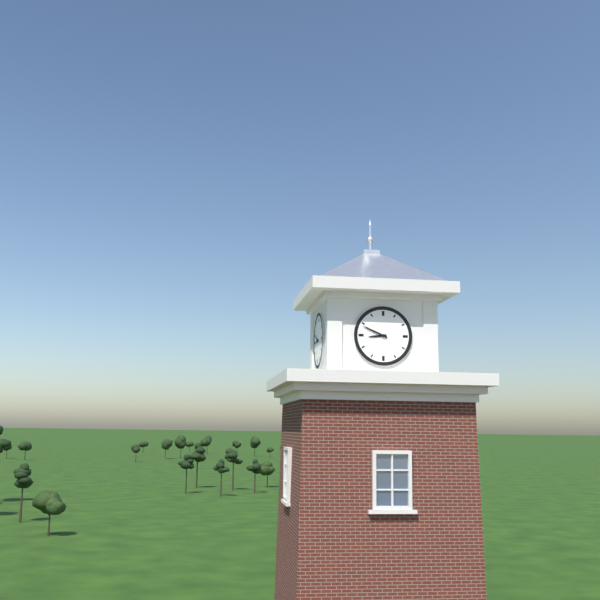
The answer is 8.49
